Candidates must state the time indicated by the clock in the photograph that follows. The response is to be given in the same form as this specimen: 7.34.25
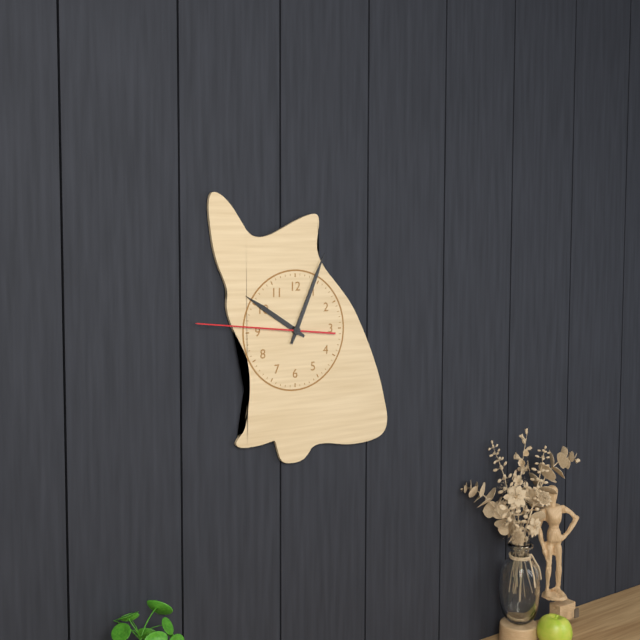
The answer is 10.04.46
